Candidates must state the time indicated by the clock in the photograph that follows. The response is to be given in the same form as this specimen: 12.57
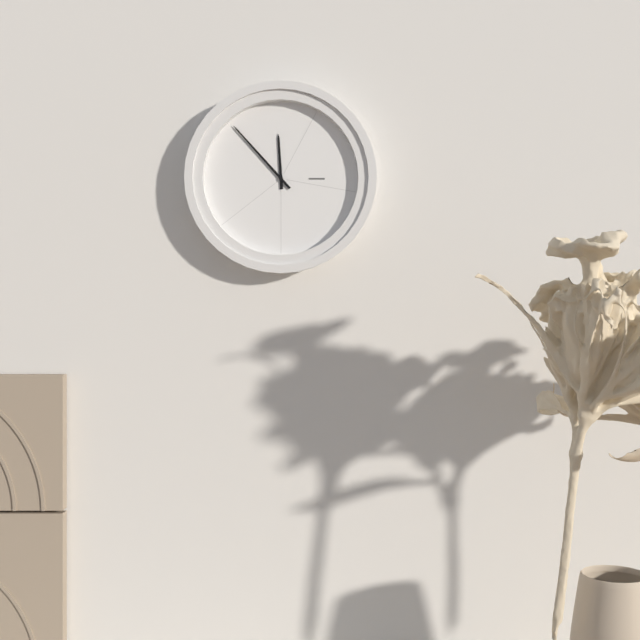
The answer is 11.53
